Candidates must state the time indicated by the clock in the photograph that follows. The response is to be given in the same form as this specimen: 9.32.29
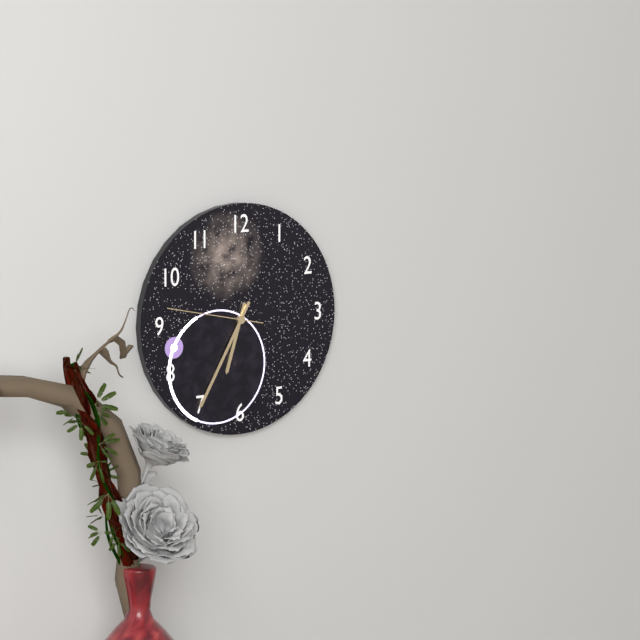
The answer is 6.35.47
